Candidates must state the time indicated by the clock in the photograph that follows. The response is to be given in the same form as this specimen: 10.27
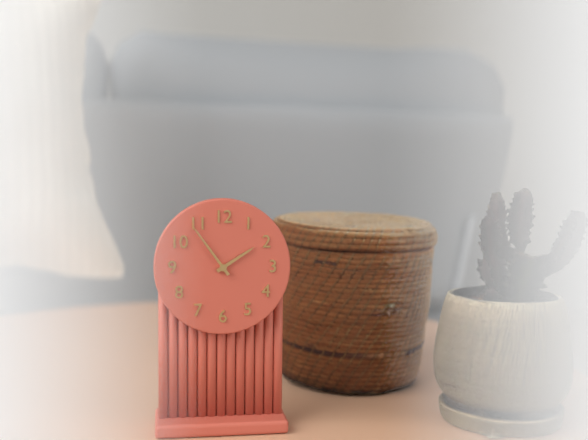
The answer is 1.54
